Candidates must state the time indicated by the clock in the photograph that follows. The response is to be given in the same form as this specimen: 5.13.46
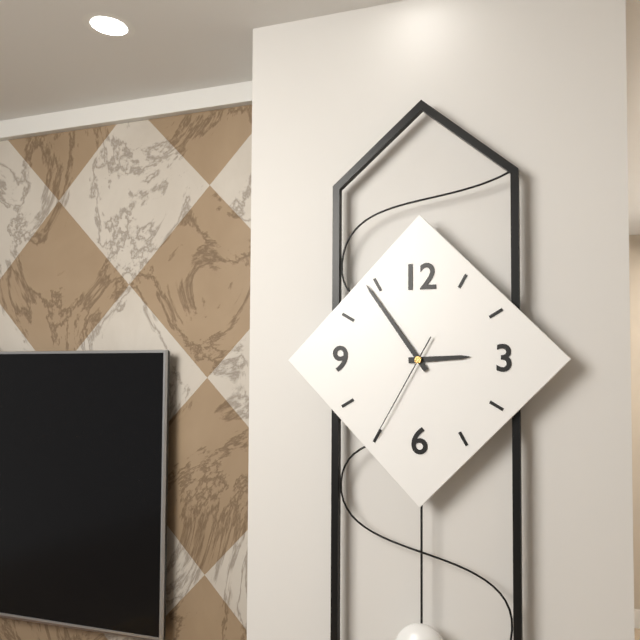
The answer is 2.54.35
